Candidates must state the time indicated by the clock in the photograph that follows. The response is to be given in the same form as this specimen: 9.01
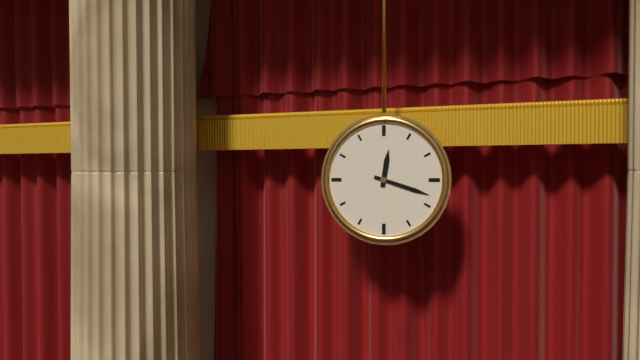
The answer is 12.18
